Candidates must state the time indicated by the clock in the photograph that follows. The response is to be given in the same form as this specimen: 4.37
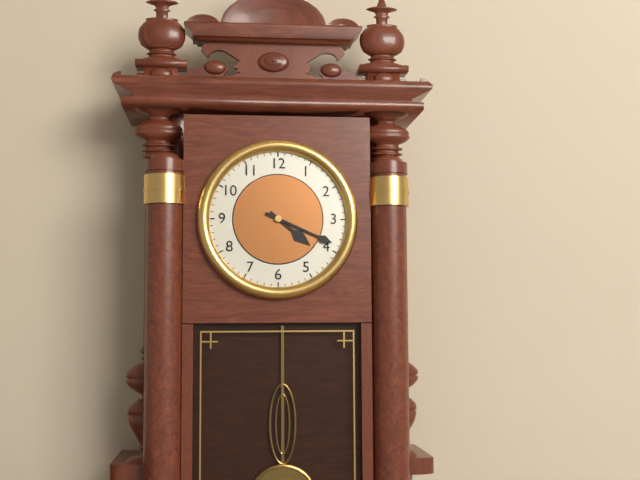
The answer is 4.19
